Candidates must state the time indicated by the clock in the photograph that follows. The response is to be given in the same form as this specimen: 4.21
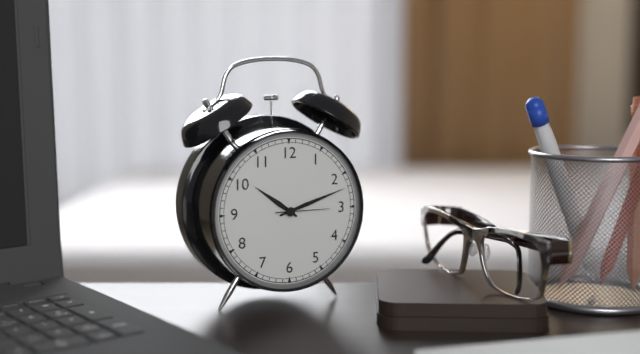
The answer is 10.12
